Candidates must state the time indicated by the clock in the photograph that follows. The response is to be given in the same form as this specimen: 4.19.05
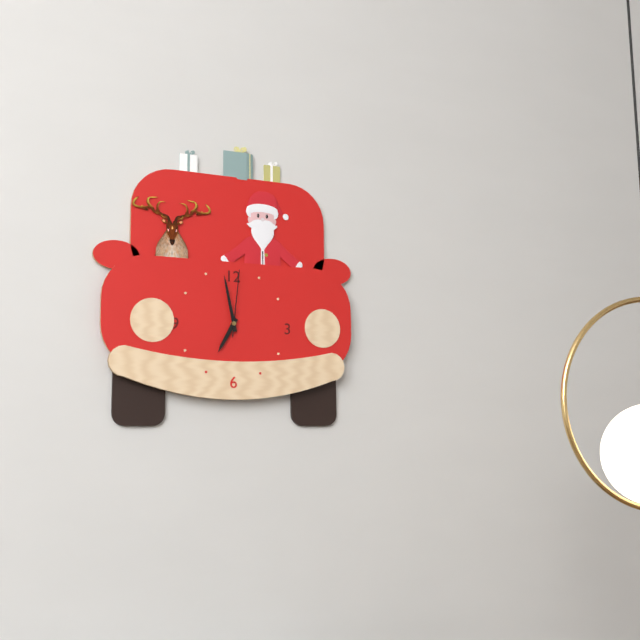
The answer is 6.58.01
